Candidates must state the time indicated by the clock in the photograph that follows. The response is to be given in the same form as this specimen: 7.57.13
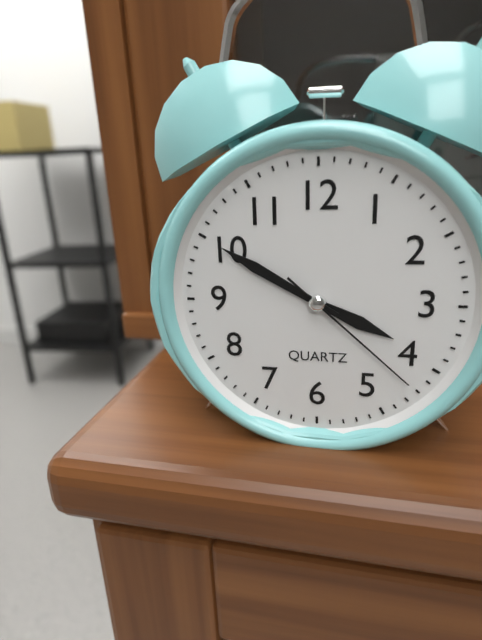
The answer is 3.50.22
